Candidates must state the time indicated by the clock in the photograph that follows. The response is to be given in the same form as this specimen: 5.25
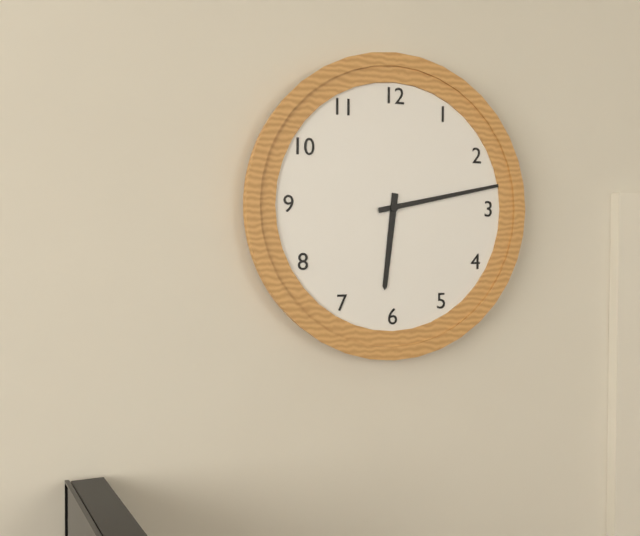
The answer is 6.13
